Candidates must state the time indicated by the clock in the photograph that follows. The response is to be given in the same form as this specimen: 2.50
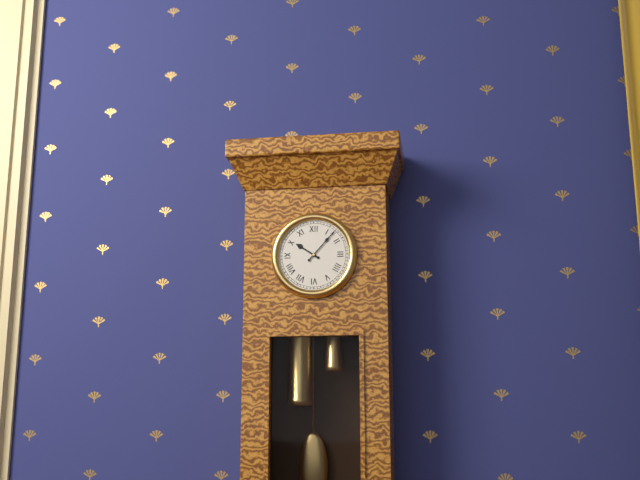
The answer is 10.07
